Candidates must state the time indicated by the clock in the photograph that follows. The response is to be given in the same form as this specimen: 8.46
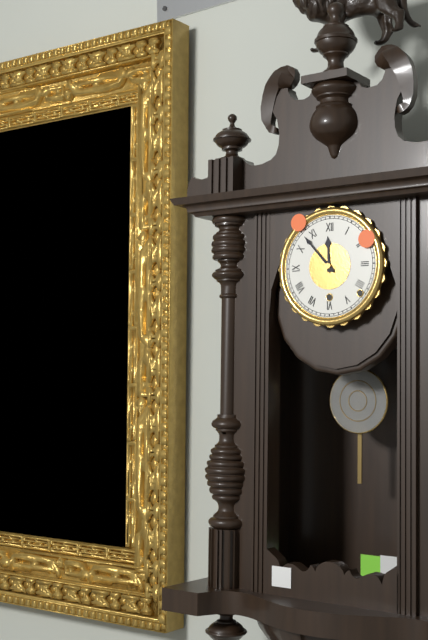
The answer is 11.53
